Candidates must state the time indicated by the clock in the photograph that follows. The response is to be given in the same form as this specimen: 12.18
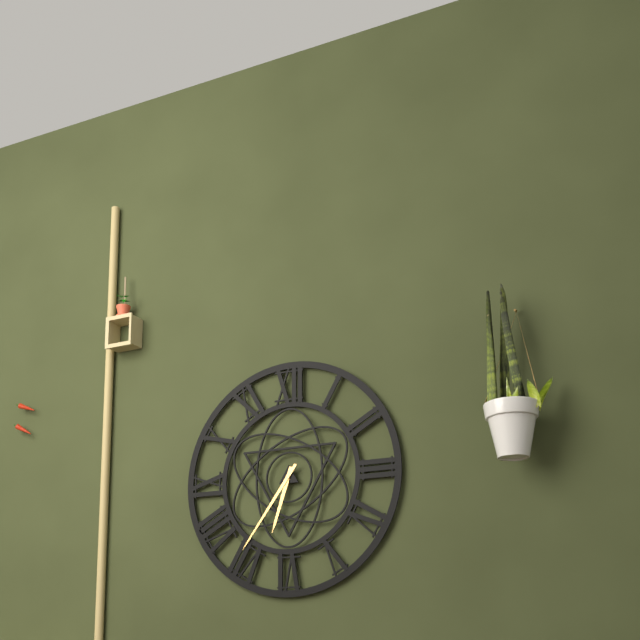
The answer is 6.36
